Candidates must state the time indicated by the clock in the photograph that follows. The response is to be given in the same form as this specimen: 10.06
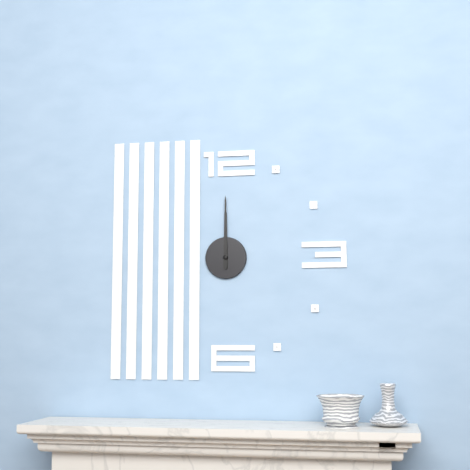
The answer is 12.00
